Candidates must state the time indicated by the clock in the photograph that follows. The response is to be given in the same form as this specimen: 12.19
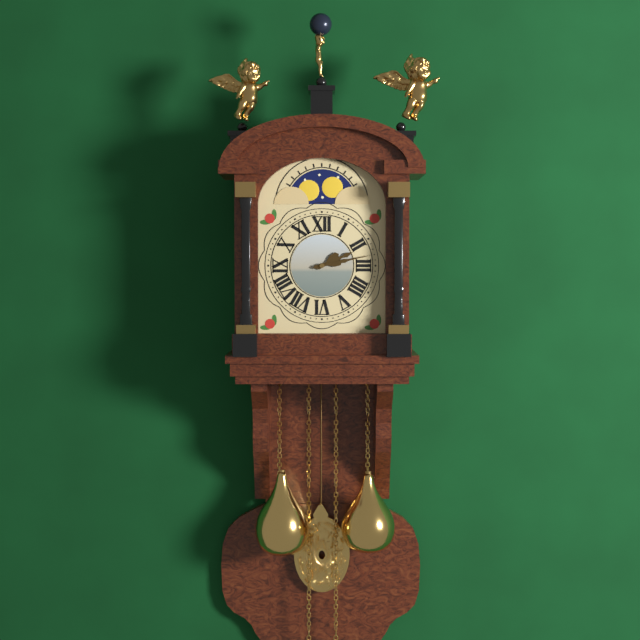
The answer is 2.13
